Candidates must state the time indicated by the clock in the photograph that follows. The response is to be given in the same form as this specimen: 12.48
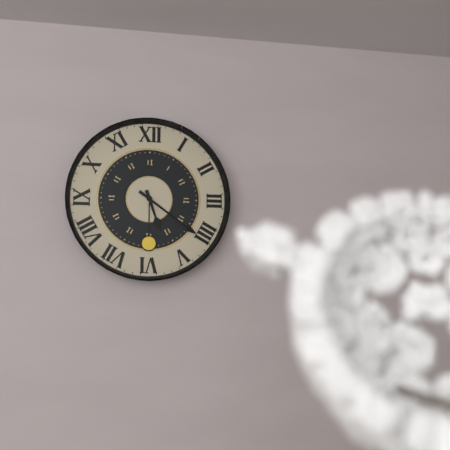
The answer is 5.21
